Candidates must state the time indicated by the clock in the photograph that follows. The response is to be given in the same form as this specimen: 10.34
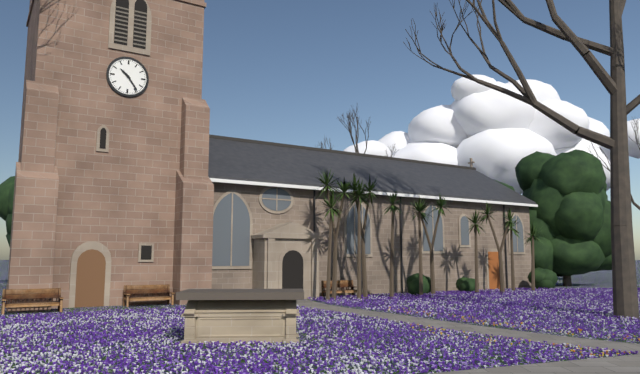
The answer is 10.24
